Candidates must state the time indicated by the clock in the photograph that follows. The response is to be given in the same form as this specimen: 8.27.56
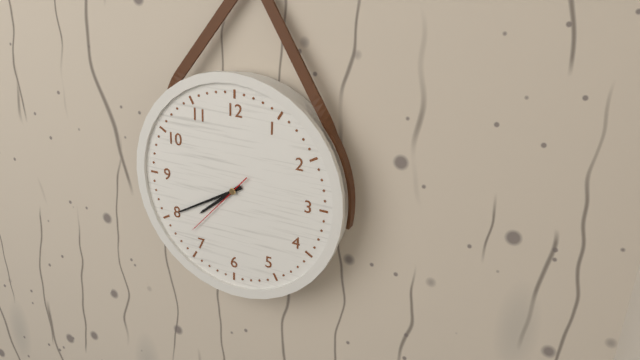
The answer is 7.40.37
